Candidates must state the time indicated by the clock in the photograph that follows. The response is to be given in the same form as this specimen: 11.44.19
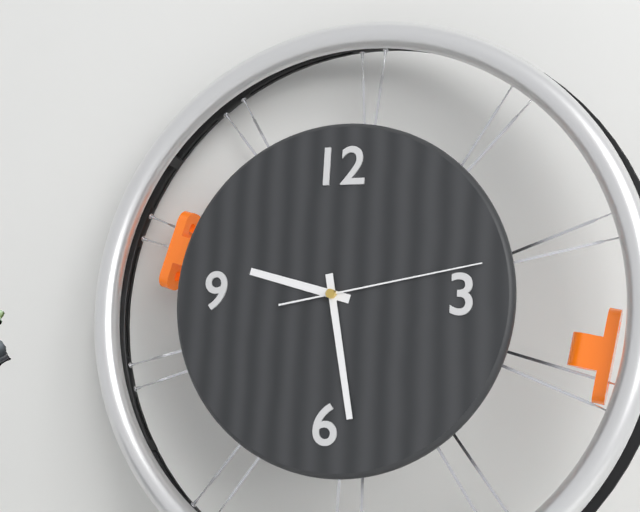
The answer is 9.28.13
